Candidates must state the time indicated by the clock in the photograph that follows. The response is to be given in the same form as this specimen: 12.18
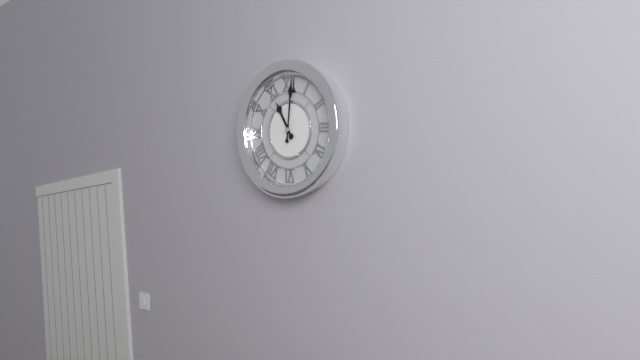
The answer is 11.01
